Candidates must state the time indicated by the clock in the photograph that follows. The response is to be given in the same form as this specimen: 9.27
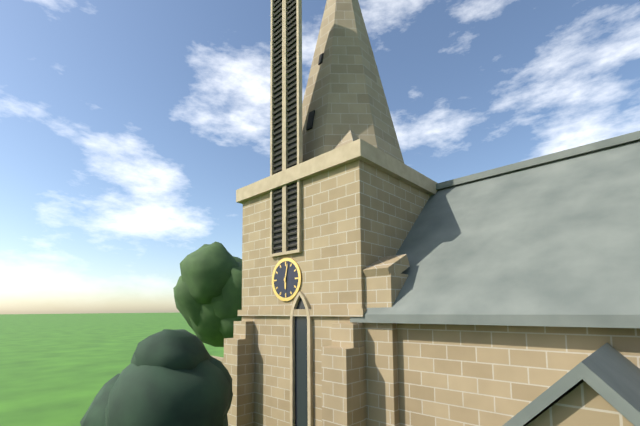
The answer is 6.02
